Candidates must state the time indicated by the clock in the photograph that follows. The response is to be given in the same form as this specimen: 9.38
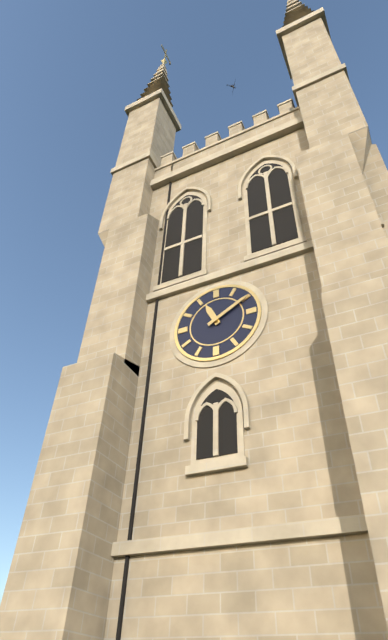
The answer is 11.10
